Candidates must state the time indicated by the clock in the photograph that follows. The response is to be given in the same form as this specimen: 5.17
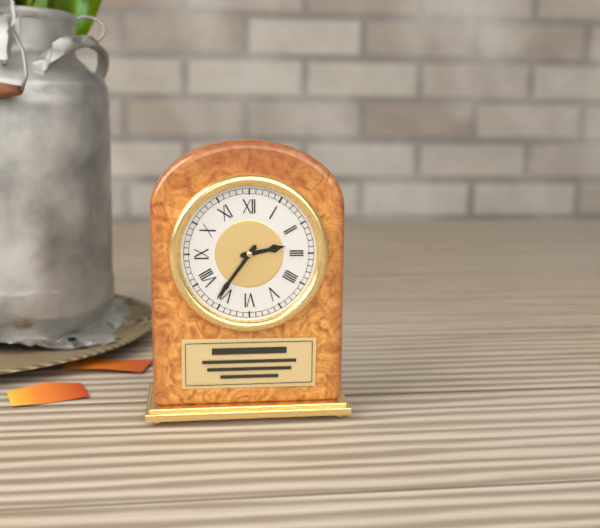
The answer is 2.36
